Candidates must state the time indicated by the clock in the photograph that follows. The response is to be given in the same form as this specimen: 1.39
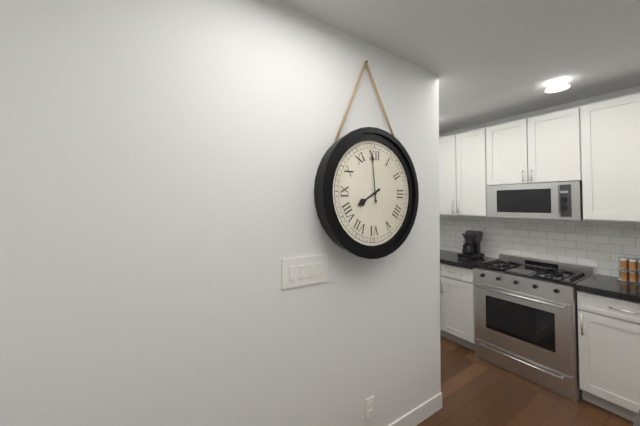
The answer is 7.59
